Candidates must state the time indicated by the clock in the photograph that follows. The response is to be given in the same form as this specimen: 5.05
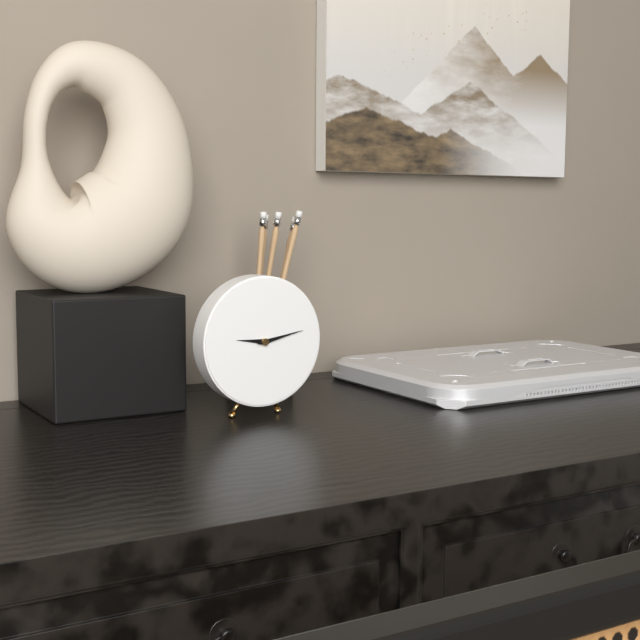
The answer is 9.13
